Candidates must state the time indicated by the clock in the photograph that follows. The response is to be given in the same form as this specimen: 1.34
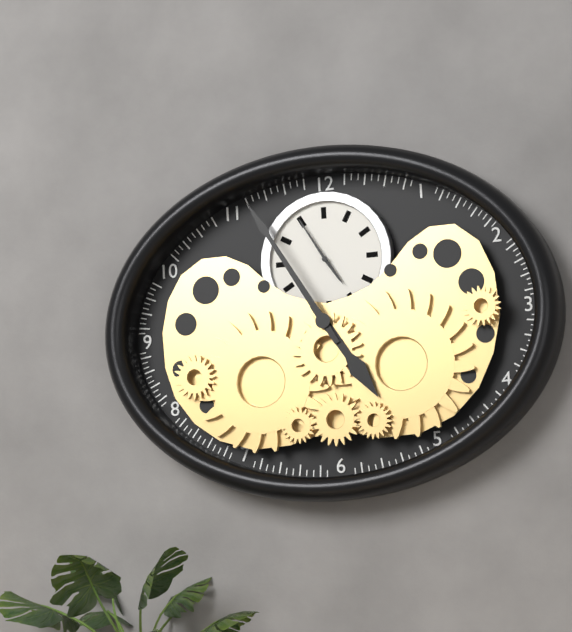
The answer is 4.55
